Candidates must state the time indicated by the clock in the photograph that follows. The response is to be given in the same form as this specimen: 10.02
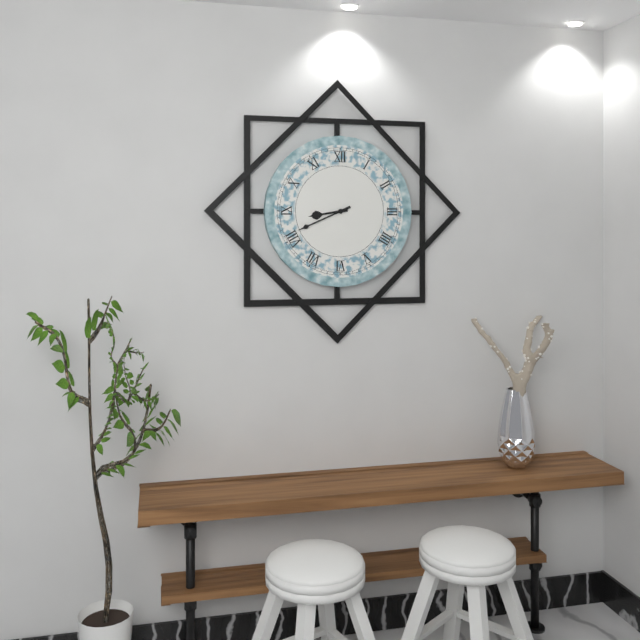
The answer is 8.41
